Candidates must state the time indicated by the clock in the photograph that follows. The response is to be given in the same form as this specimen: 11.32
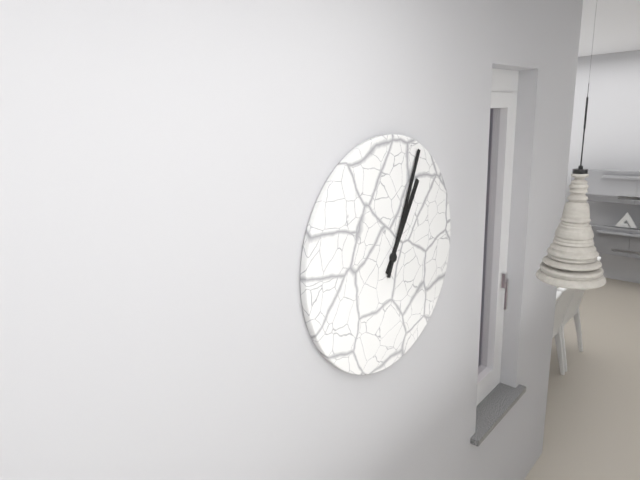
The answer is 1.04
